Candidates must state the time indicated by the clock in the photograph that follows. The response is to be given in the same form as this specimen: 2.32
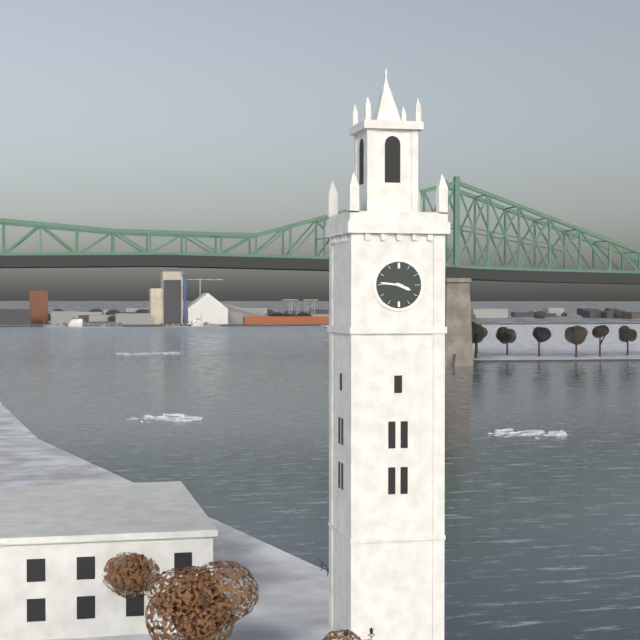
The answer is 3.46
